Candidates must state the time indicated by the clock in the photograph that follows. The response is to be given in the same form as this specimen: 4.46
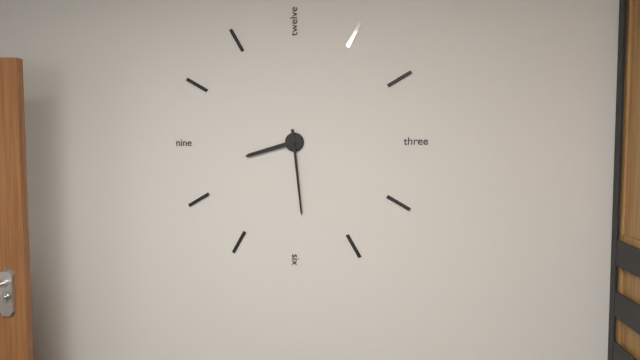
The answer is 8.29
